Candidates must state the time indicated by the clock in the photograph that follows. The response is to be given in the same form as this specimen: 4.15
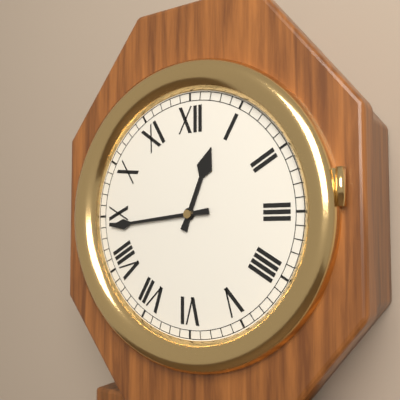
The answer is 12.44
